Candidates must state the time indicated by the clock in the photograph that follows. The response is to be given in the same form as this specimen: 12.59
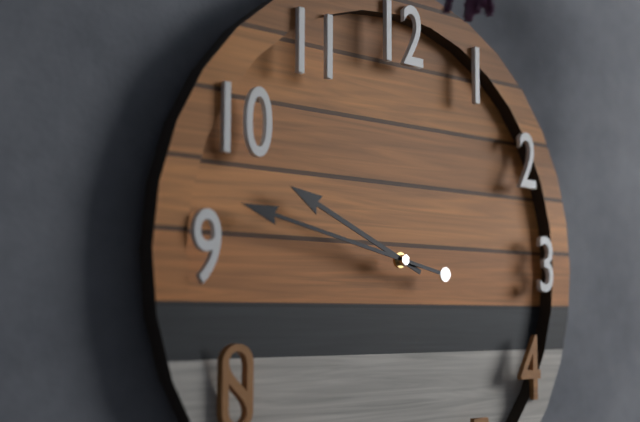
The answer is 9.47
